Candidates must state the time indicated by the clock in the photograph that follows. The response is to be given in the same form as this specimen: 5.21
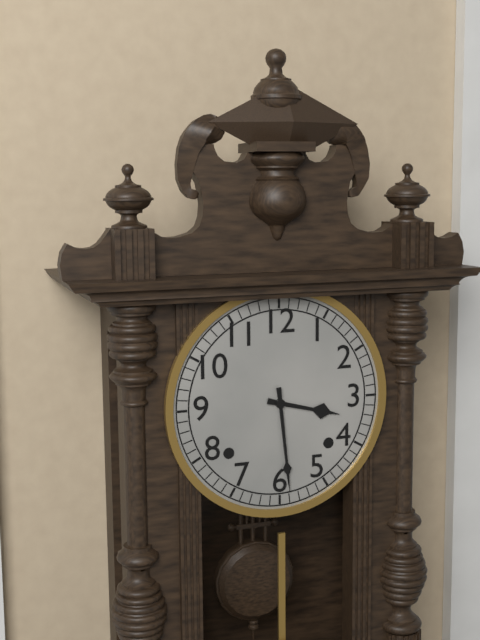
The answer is 3.29
